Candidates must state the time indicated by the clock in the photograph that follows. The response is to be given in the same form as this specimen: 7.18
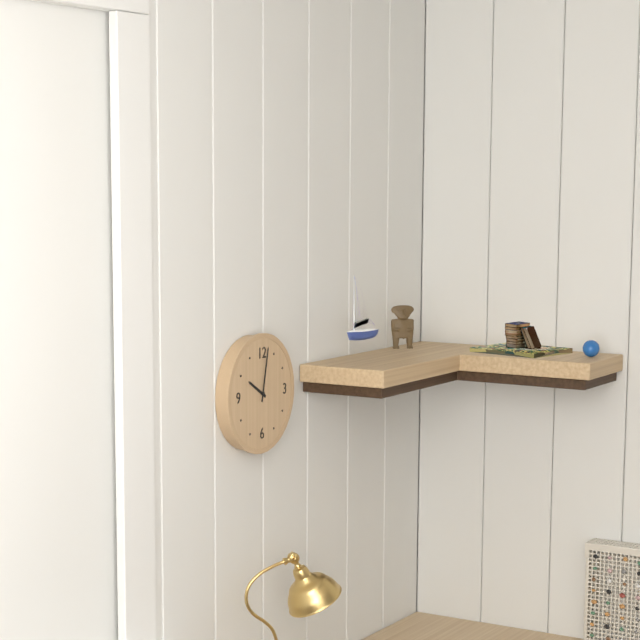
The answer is 10.02
